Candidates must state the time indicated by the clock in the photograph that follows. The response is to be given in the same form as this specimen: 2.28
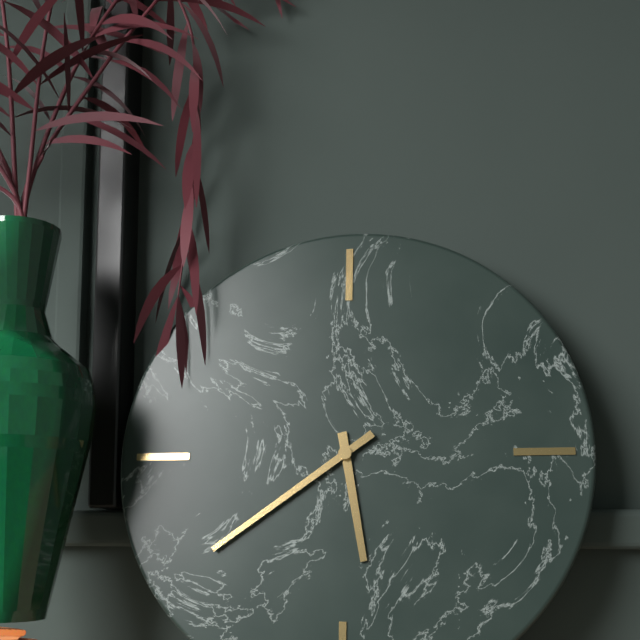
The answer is 5.39
